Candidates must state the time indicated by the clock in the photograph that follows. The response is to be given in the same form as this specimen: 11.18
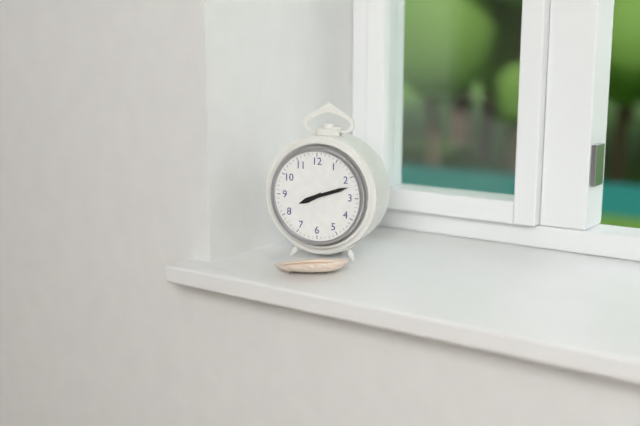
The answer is 8.12
